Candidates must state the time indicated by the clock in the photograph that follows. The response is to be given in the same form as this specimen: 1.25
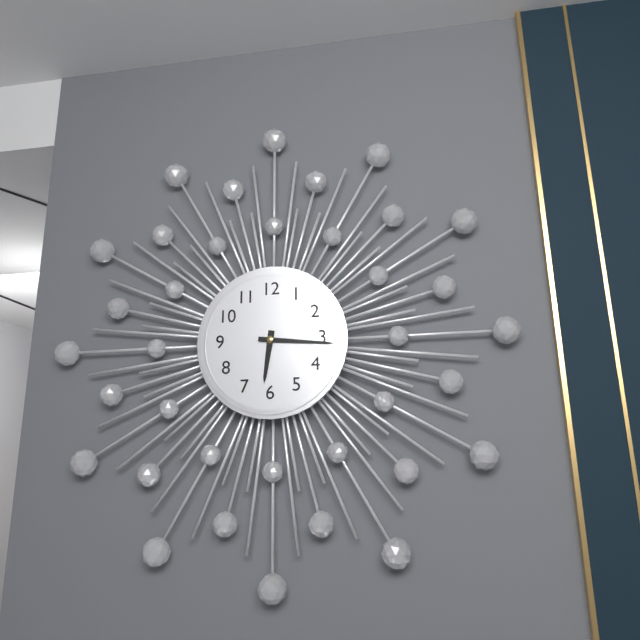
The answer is 6.16
